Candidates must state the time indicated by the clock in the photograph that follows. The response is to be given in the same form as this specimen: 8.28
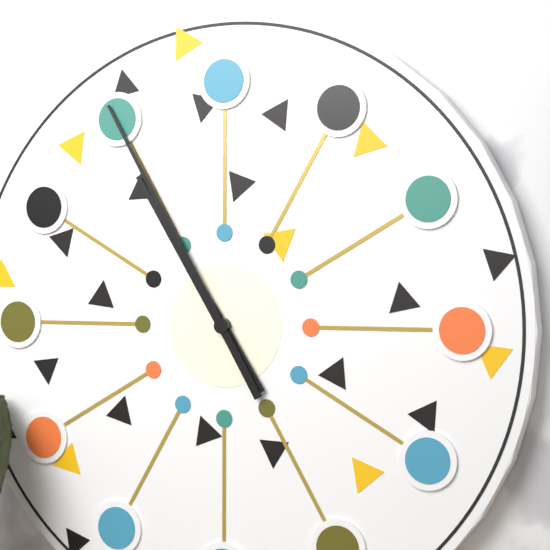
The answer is 10.55
